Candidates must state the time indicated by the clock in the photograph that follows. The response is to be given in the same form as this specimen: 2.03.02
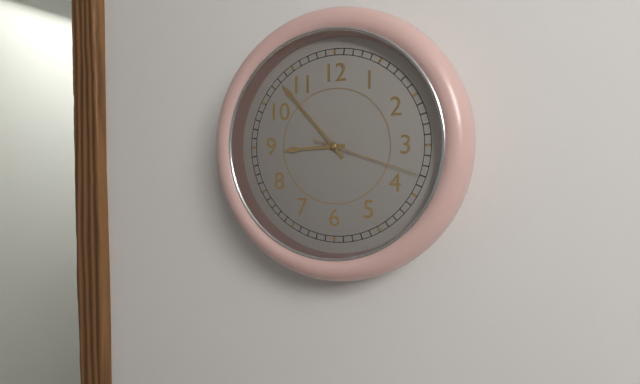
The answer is 8.53.18
